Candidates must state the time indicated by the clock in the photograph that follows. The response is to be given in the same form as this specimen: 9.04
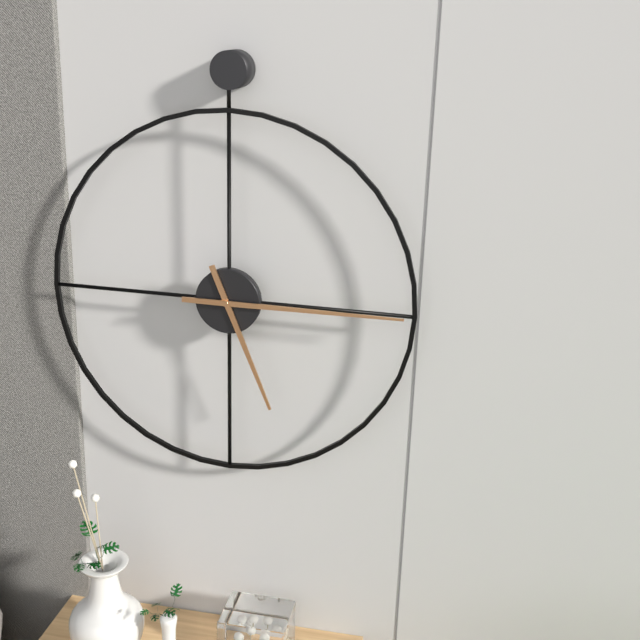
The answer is 5.15
